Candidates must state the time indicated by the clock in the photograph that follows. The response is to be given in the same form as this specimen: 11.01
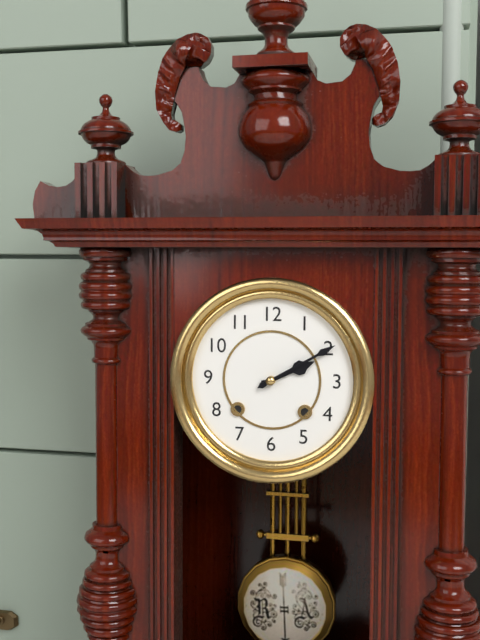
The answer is 2.10
